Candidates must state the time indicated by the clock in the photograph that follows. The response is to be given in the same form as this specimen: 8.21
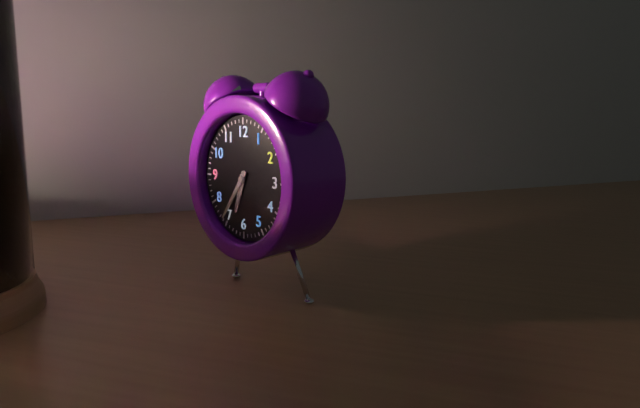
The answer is 6.36
